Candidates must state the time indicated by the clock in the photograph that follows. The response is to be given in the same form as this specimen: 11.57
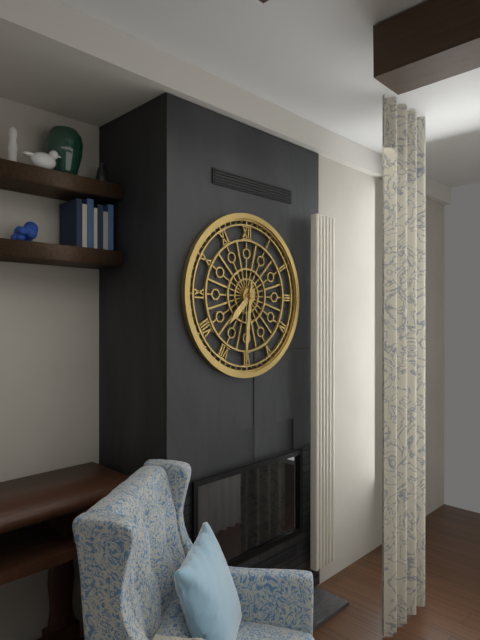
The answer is 7.31
